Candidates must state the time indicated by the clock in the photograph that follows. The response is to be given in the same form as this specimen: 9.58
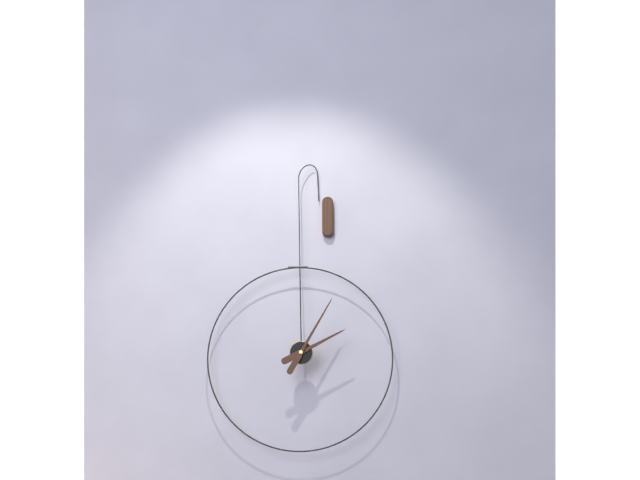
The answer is 2.05
